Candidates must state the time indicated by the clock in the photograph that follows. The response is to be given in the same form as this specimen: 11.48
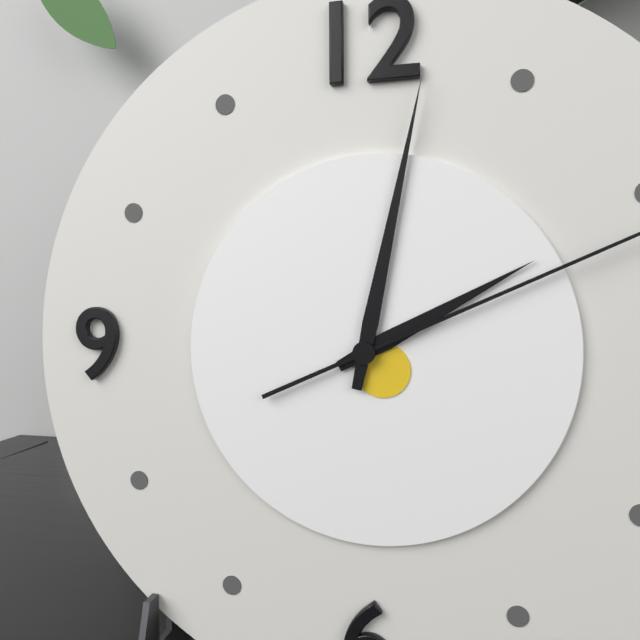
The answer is 2.02
